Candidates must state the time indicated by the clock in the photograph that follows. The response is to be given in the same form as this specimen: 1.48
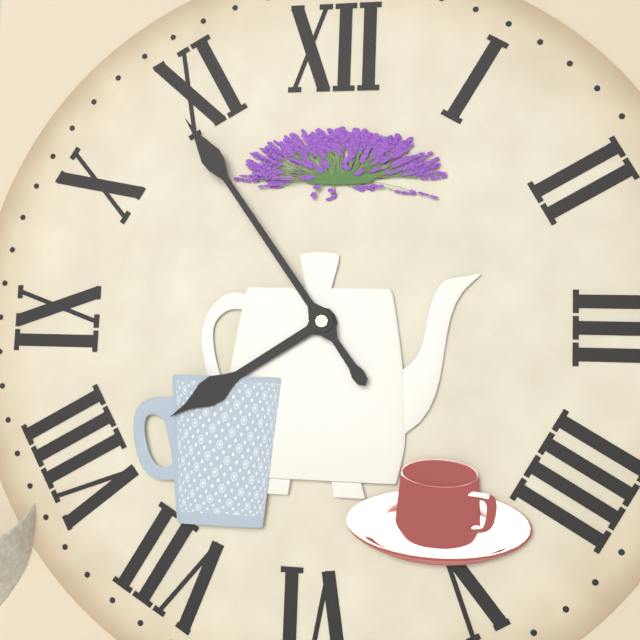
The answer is 7.54
